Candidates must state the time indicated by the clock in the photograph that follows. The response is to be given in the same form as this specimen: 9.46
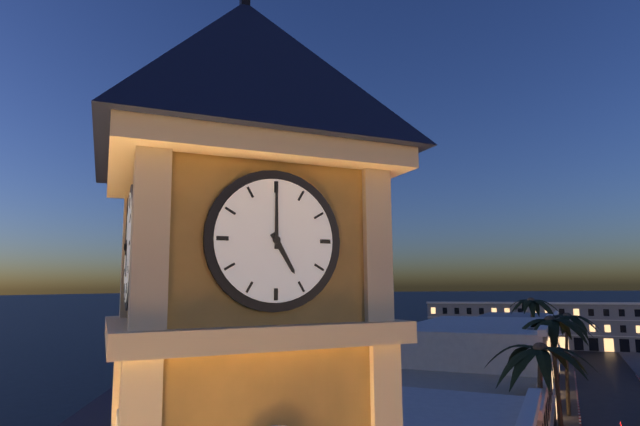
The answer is 5.00
